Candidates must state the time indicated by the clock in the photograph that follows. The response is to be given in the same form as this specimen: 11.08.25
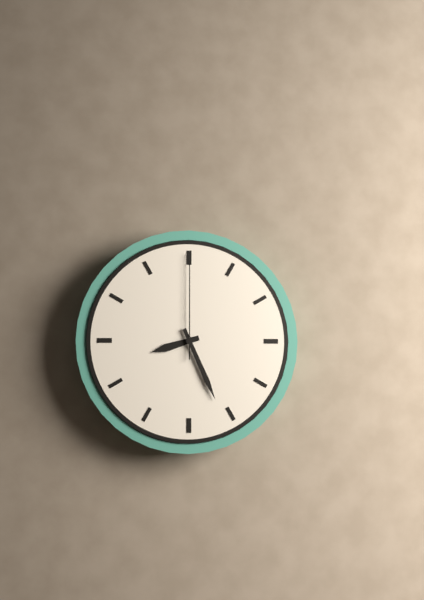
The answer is 8.26.00
